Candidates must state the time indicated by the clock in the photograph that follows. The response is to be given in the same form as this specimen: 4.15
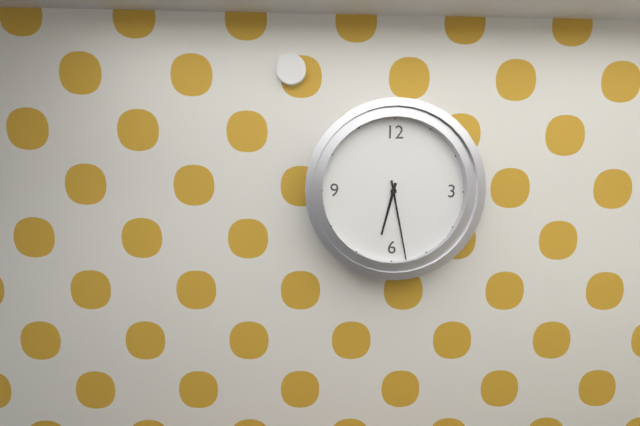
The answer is 6.28
